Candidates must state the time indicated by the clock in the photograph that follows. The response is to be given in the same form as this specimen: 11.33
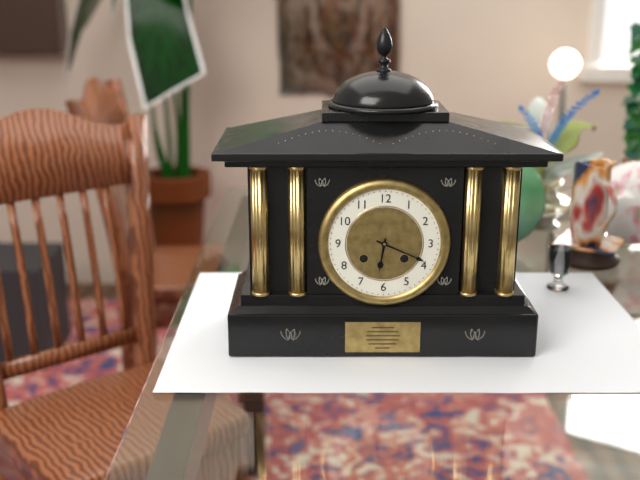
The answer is 6.19
